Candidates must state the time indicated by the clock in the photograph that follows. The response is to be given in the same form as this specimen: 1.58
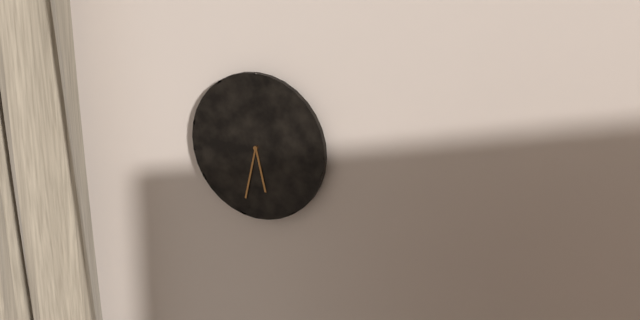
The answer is 5.32
